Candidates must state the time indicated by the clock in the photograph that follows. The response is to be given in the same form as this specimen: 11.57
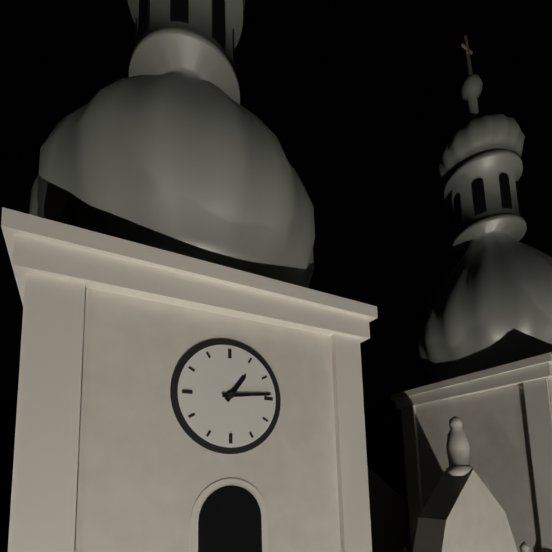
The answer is 1.14
